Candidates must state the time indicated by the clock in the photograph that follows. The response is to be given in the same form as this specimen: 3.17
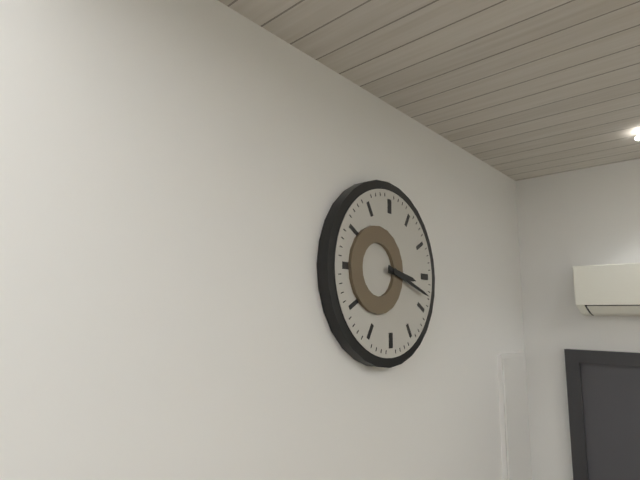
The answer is 3.18
